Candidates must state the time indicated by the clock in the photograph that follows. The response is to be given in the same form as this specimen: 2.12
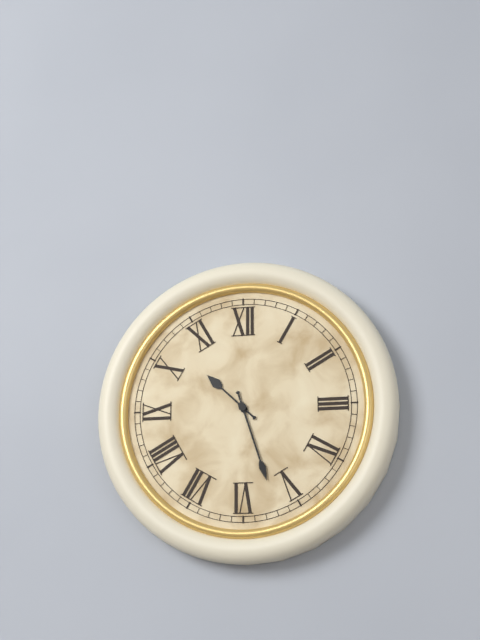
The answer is 10.27
